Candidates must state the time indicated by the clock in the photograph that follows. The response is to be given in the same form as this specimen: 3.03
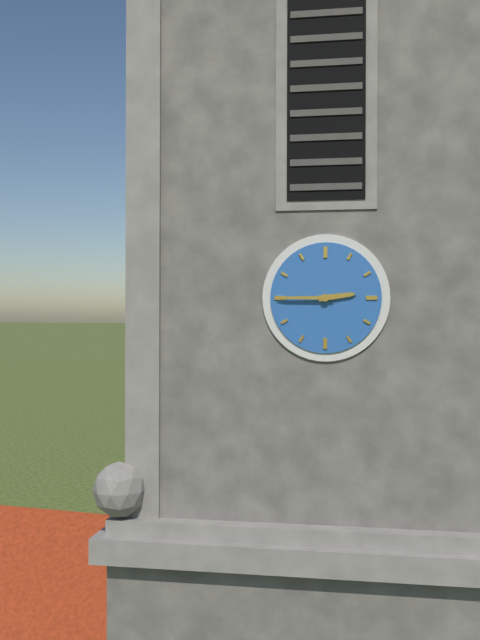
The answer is 2.45
